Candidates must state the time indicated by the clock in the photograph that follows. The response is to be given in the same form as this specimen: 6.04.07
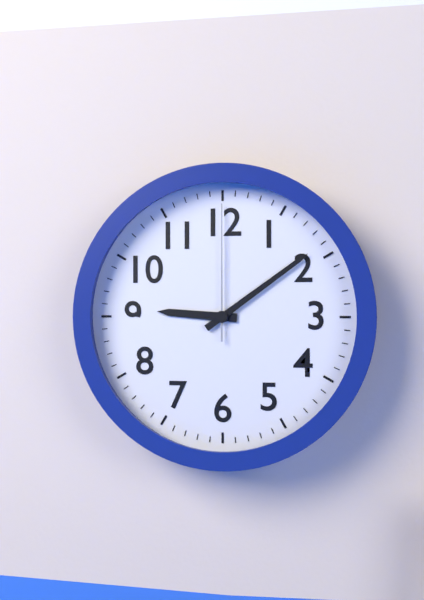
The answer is 9.09.00
